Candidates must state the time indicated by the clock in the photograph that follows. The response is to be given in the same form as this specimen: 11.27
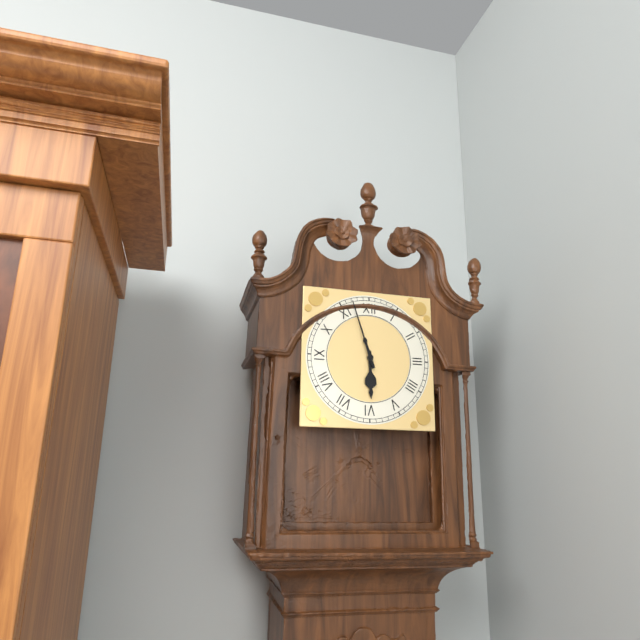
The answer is 5.57
